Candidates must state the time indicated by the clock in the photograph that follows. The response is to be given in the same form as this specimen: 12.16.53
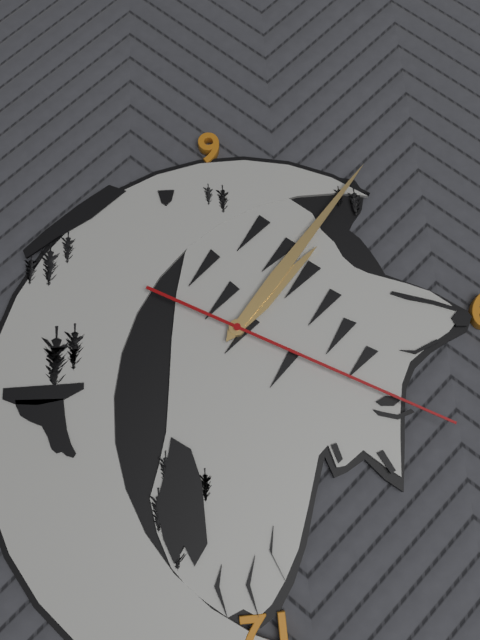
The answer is 7.37.50
